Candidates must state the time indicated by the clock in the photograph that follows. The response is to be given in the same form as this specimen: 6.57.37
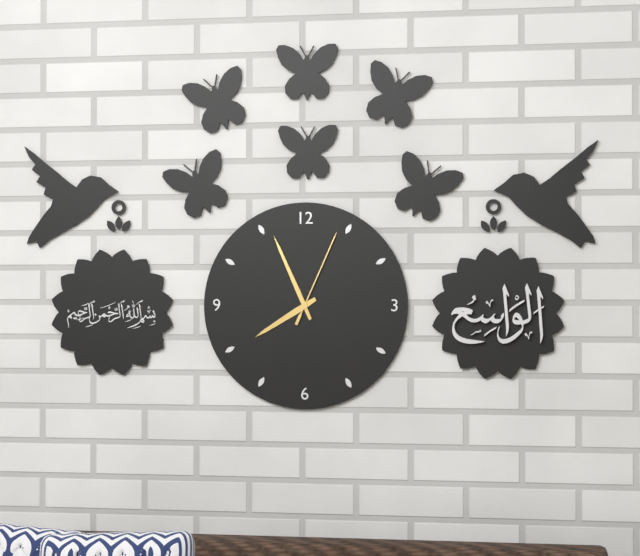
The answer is 7.56.04
